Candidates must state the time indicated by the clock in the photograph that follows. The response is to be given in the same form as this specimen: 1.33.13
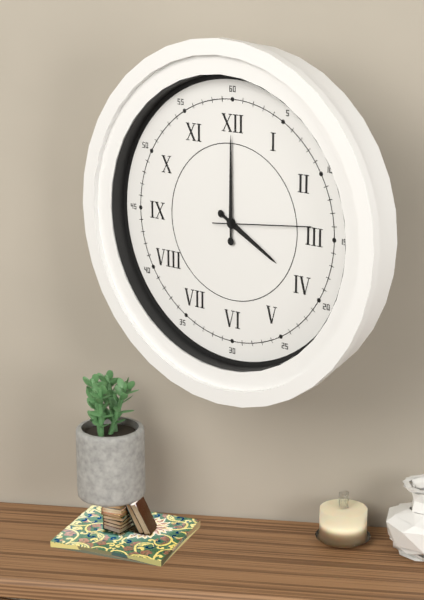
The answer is 4.00.14
